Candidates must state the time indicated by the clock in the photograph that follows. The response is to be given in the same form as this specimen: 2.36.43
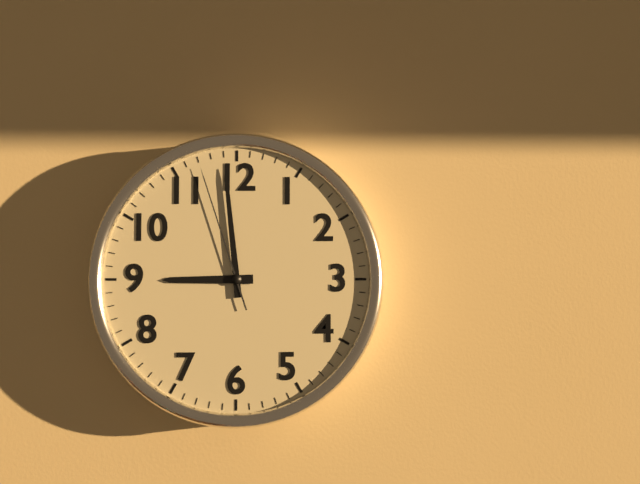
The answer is 8.59.57
